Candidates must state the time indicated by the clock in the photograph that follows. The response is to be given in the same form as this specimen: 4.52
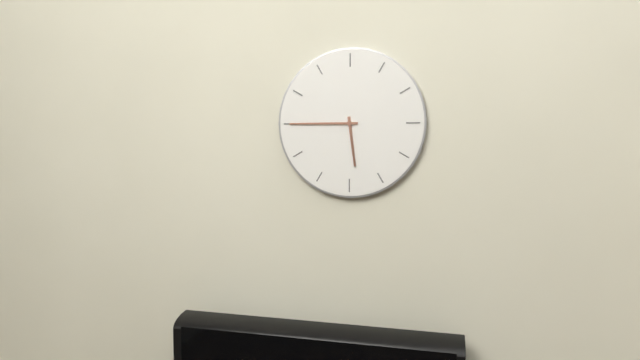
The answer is 5.45
